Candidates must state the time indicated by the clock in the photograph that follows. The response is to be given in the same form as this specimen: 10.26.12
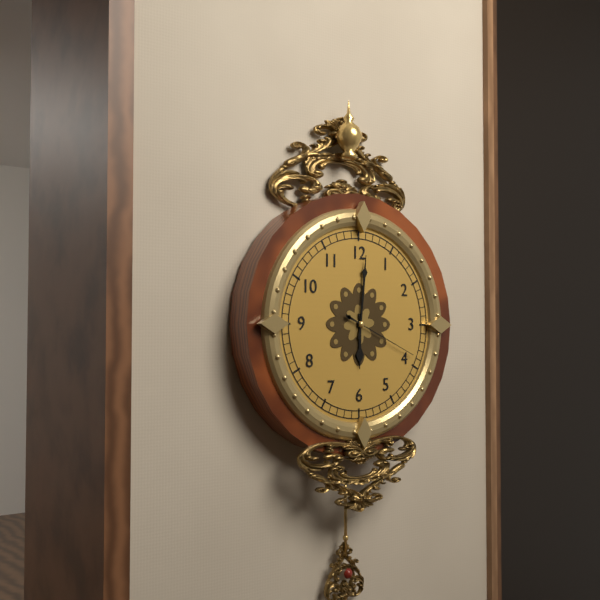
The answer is 6.01.19
